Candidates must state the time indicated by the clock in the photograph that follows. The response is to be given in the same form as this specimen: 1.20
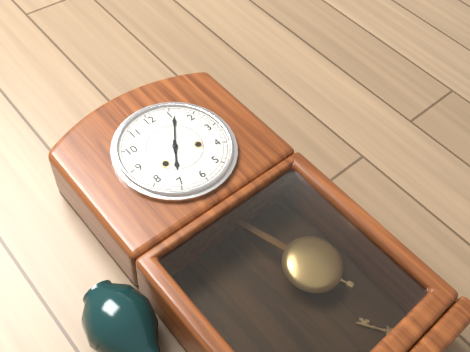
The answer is 7.06
